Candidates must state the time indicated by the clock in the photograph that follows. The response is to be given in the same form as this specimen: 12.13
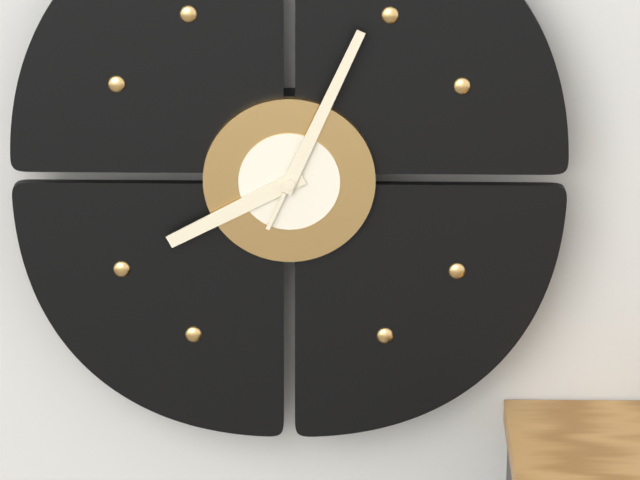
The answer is 8.04
